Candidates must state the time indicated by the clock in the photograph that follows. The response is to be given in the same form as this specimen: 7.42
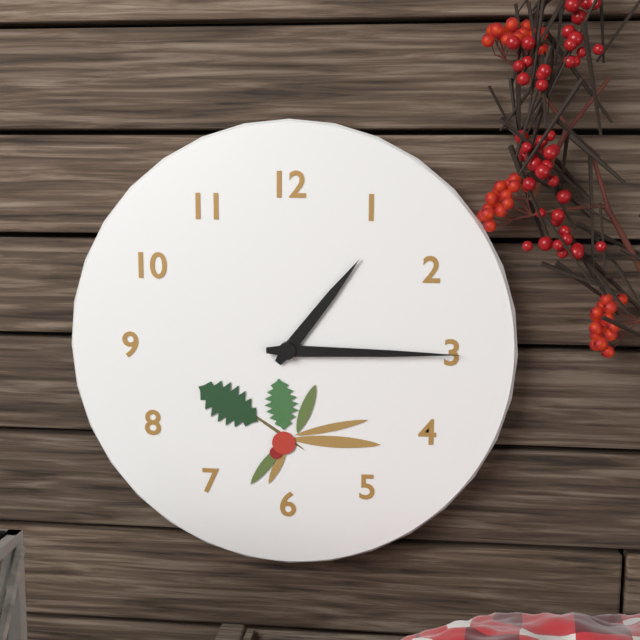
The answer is 1.15
